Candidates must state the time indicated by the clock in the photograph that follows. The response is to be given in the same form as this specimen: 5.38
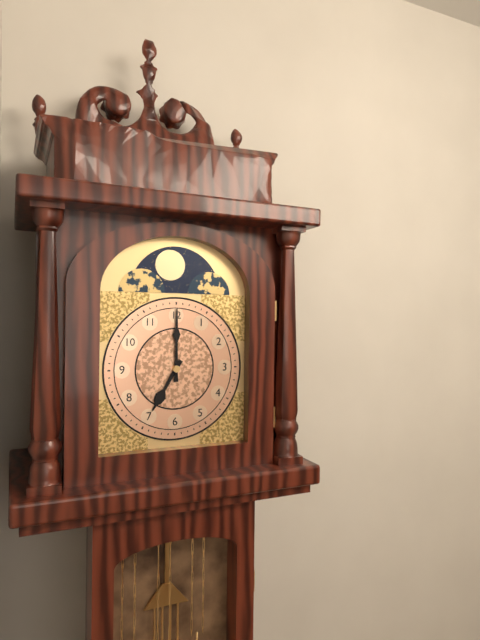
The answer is 7.00
